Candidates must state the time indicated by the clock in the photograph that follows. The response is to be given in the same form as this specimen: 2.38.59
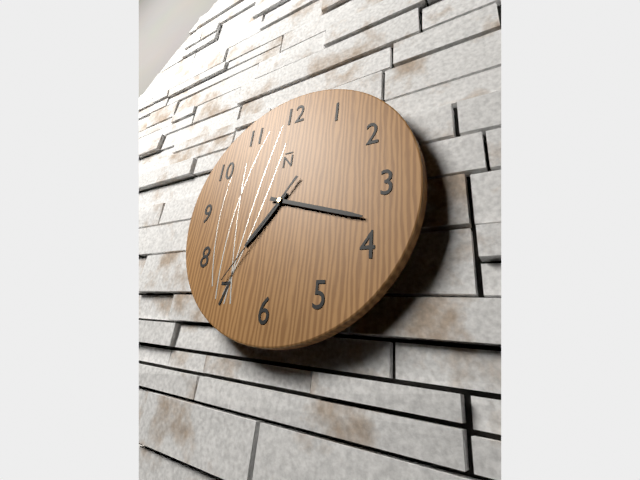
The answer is 7.18.36
